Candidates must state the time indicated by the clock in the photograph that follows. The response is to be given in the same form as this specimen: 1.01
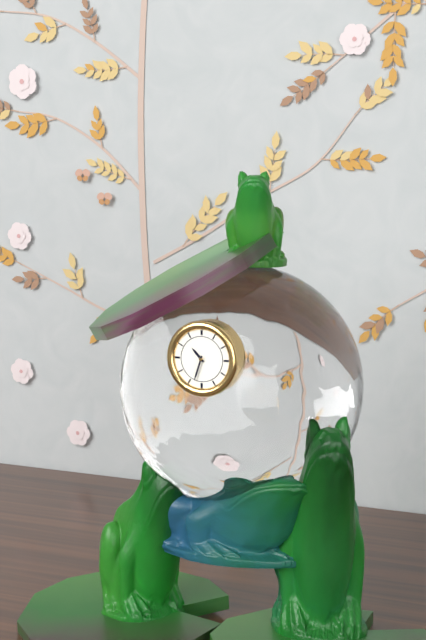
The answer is 10.33
